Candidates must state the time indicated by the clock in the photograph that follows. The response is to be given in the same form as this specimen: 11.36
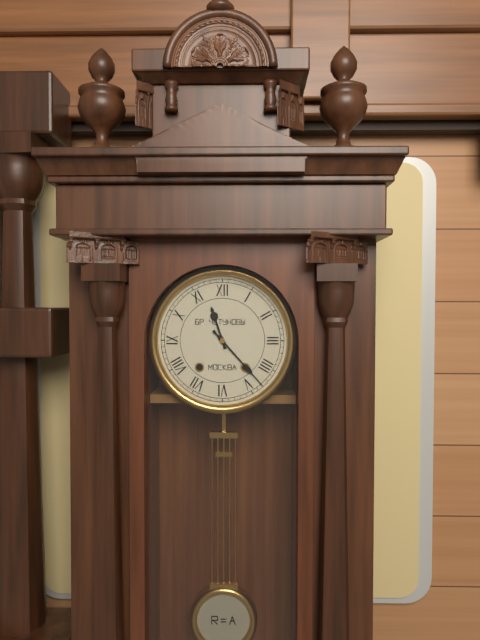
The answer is 11.23
